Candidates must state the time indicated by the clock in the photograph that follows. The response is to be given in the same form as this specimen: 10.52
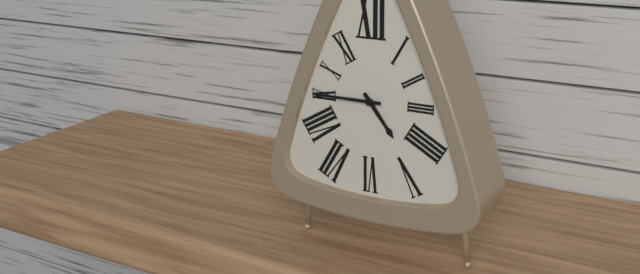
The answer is 4.45
